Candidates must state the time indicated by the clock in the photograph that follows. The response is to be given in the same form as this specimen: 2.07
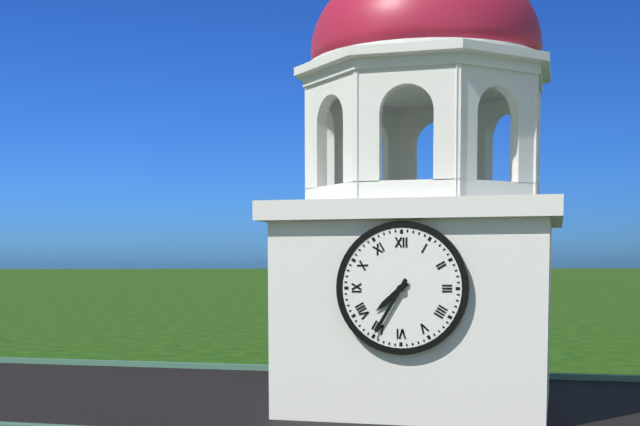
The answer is 7.35
